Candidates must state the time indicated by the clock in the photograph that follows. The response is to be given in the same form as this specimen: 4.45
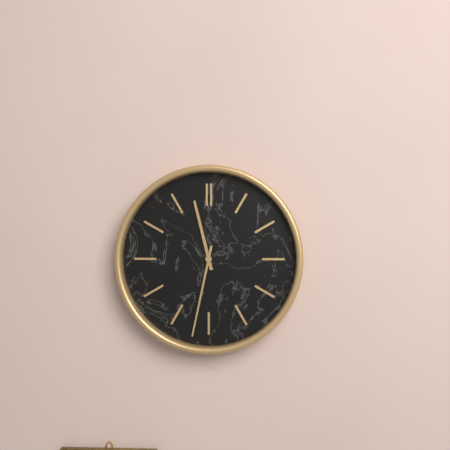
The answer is 11.32
